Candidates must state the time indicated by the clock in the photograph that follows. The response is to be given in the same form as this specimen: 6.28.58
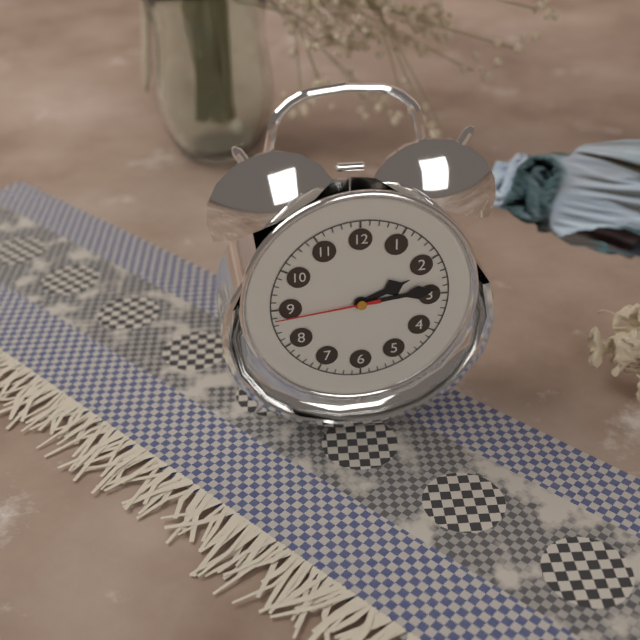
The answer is 2.14.44
